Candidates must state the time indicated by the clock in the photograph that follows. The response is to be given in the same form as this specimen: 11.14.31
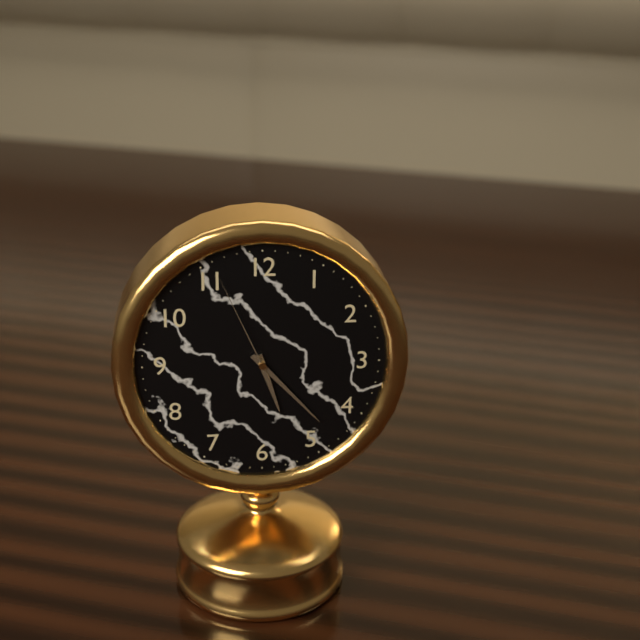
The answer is 5.23.56
